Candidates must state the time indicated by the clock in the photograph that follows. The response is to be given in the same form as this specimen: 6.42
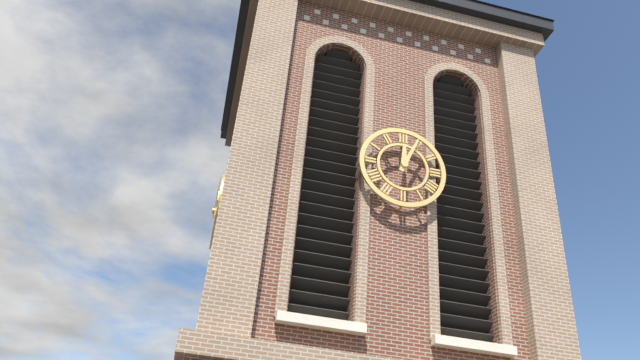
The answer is 12.04
